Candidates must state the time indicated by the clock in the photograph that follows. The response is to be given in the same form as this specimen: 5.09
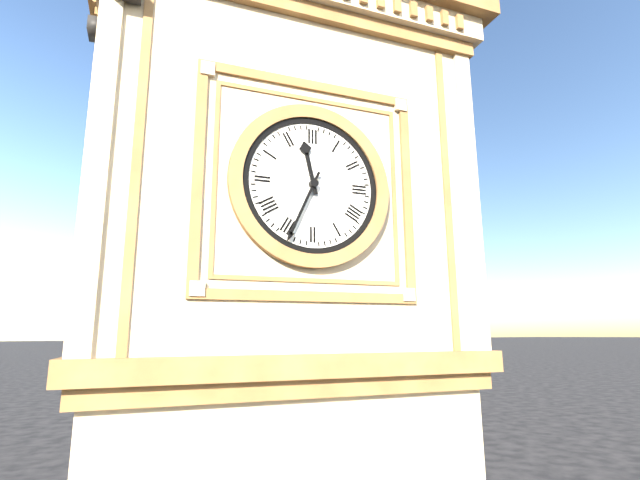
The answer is 11.34
